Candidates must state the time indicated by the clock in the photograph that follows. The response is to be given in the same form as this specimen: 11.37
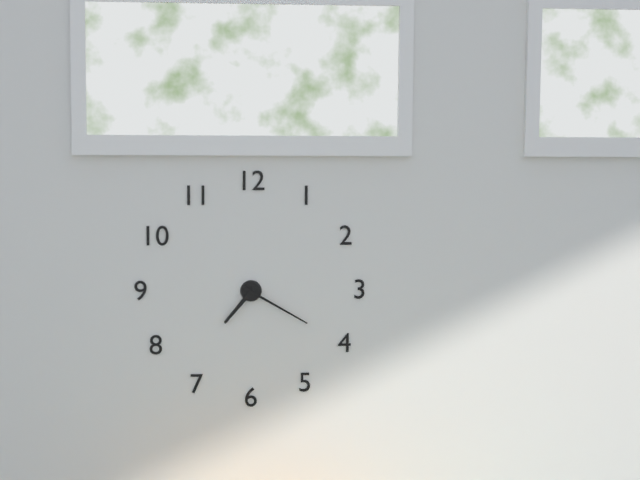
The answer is 7.20
